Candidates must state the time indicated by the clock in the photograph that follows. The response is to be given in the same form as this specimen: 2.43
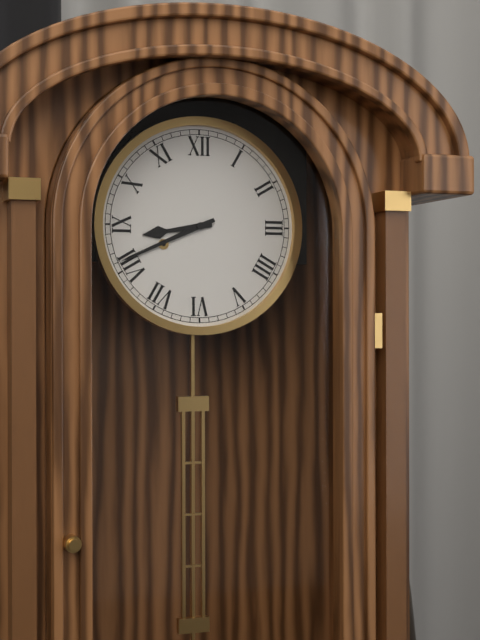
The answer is 8.41
